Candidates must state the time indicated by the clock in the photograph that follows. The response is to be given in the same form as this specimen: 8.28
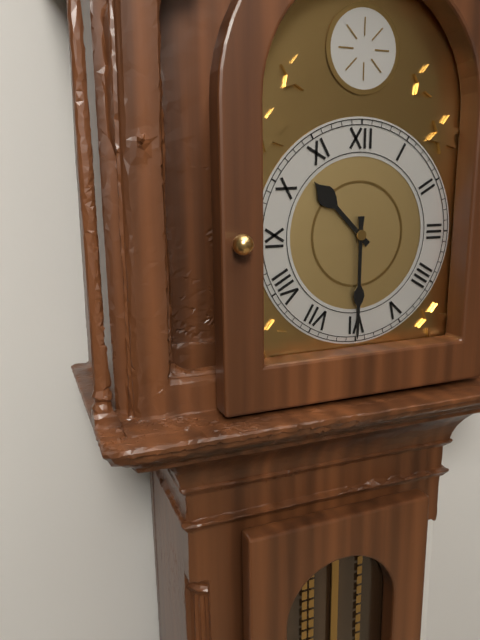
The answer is 10.30
